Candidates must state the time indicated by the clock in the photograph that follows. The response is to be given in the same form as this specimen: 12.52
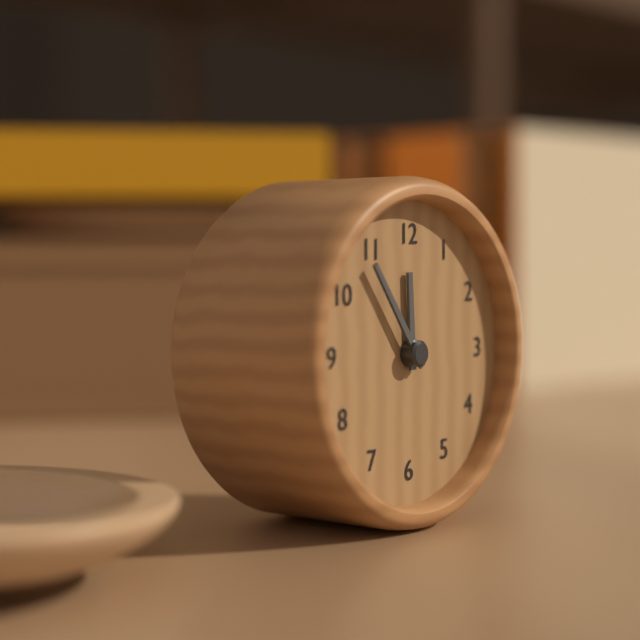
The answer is 11.54
